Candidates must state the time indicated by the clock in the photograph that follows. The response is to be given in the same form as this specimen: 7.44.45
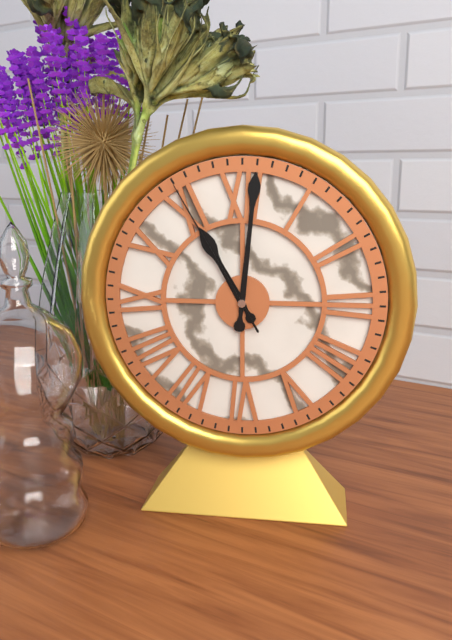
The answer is 11.01.55
